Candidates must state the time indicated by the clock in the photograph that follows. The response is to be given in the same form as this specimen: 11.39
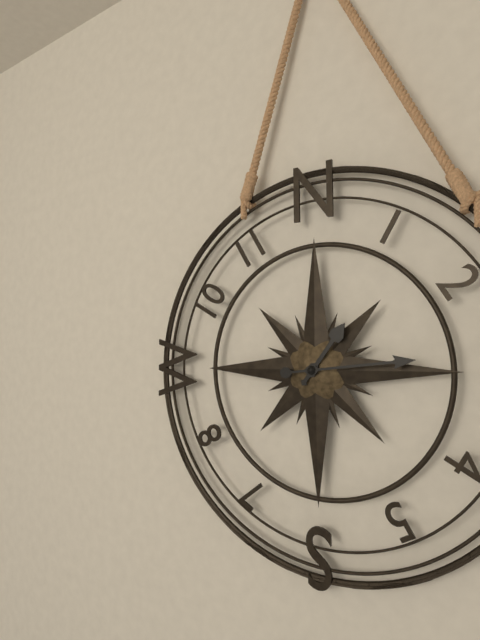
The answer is 1.14
